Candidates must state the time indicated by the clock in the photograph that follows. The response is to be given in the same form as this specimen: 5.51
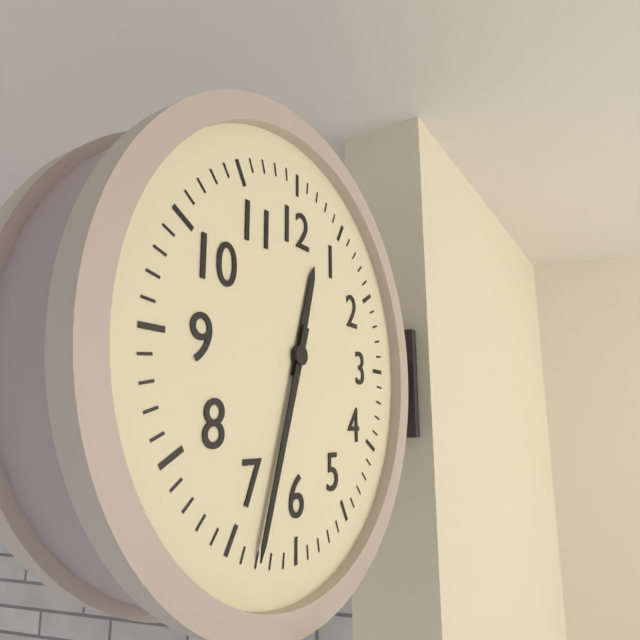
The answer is 12.33
